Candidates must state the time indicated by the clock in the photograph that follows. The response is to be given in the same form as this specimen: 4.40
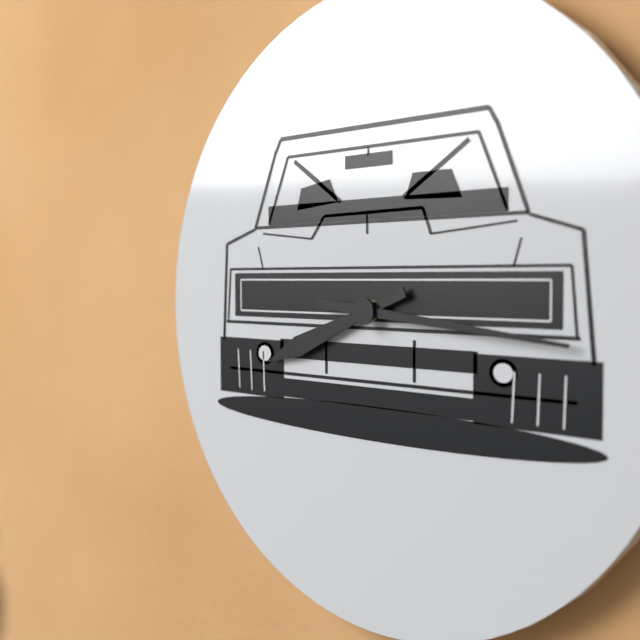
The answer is 8.16
